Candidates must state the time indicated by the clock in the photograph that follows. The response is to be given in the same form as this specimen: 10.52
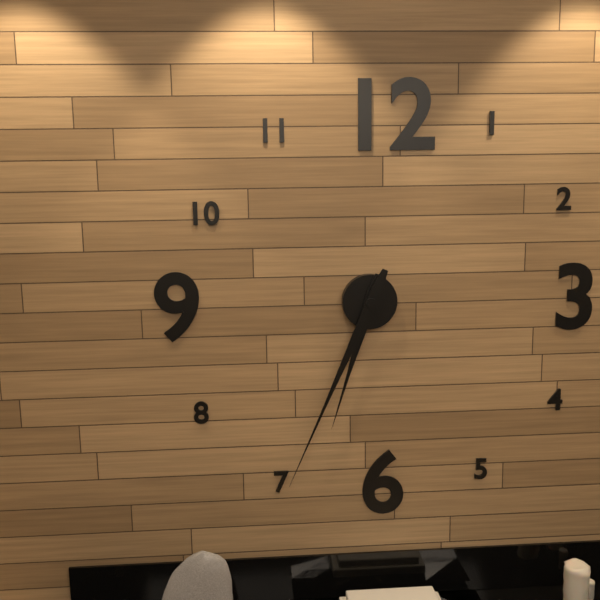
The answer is 6.34
